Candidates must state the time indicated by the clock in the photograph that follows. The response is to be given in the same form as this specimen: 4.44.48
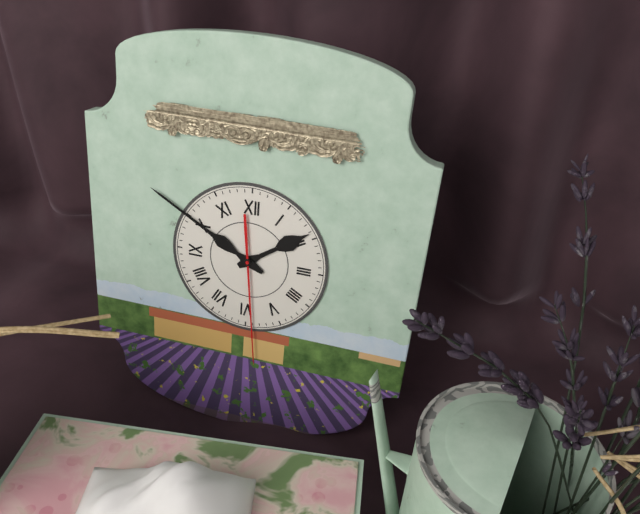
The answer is 1.50.29
